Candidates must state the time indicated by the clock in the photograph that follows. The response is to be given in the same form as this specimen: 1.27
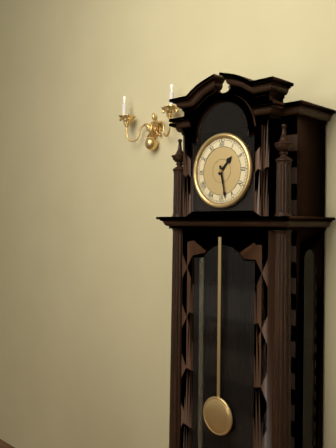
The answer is 1.28
